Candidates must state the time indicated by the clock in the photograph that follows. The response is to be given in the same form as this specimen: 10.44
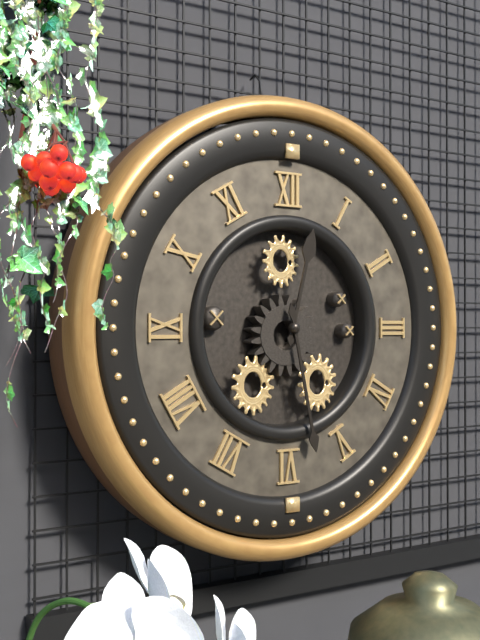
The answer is 12.28
